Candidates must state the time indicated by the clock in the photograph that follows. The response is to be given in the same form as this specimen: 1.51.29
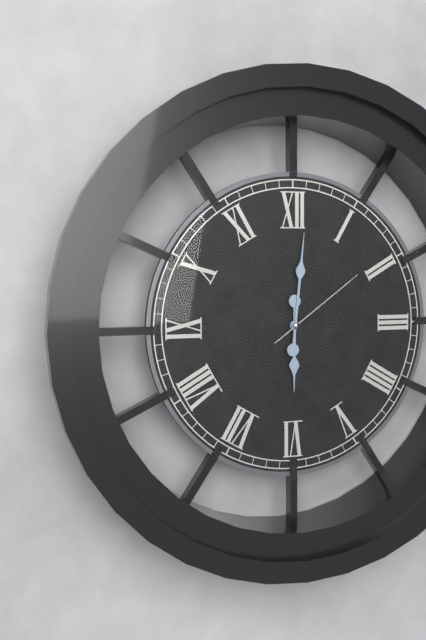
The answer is 6.01.09
